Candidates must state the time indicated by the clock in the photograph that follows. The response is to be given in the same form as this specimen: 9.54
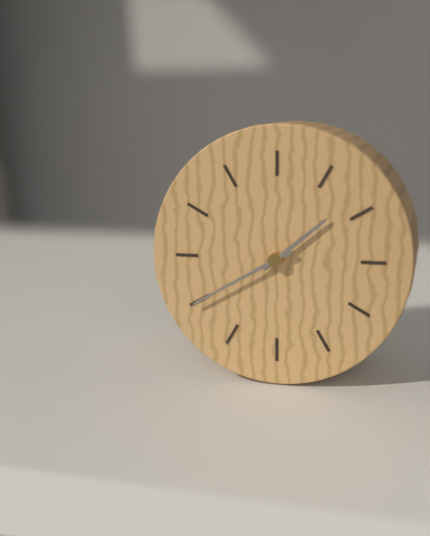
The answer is 1.40
